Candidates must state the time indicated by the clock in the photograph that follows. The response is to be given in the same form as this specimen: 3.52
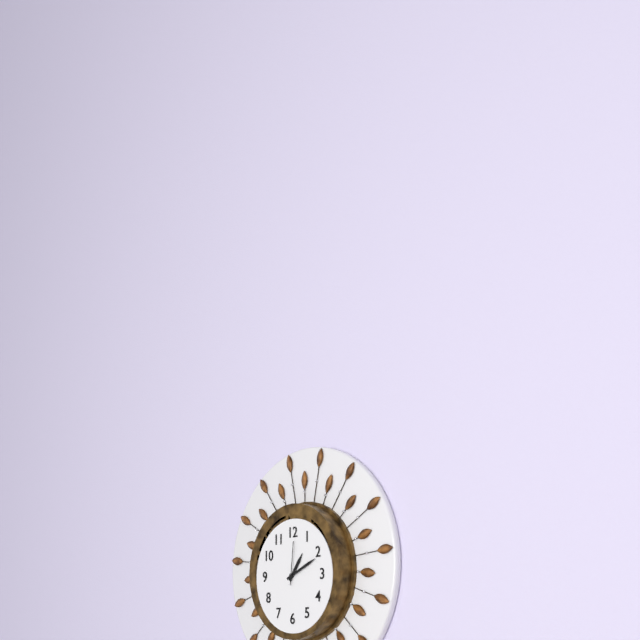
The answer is 1.11
